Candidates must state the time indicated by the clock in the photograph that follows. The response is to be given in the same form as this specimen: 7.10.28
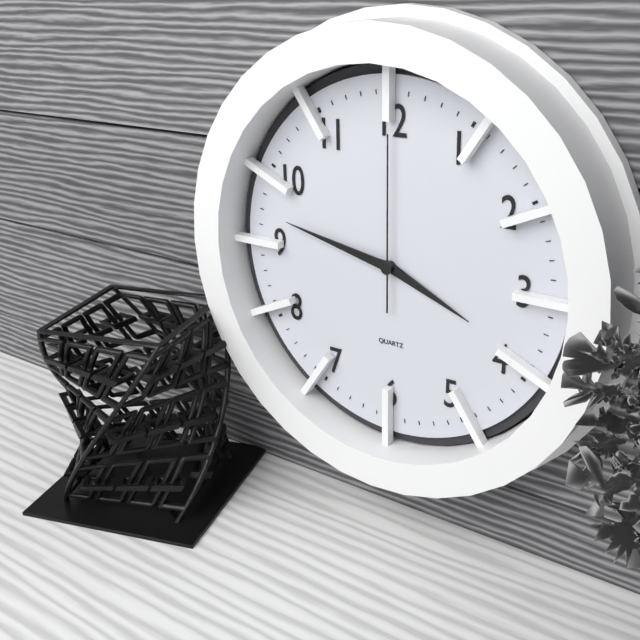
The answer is 3.47.00
